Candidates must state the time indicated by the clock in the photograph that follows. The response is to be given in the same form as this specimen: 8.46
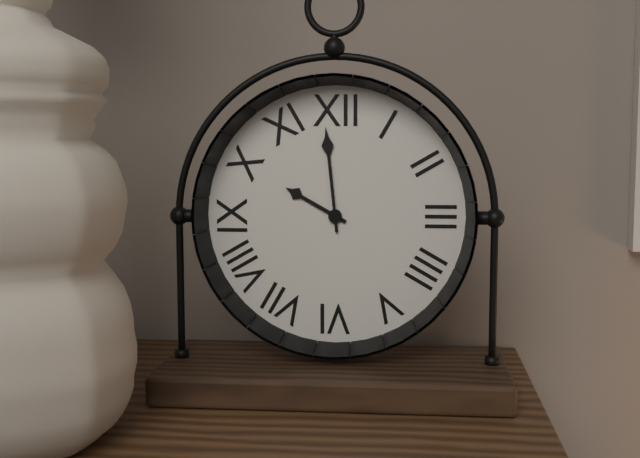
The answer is 9.59
